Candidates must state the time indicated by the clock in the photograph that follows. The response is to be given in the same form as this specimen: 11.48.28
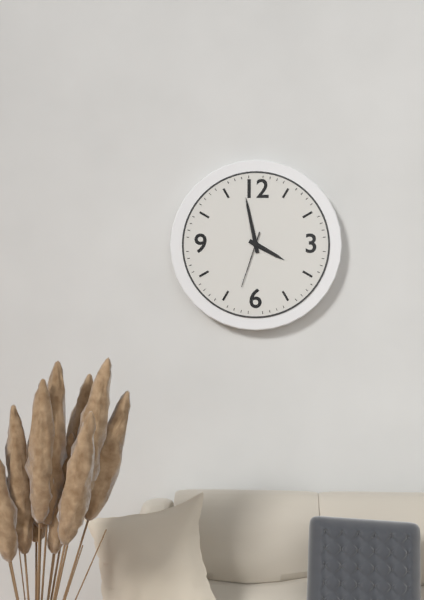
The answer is 3.58.33
